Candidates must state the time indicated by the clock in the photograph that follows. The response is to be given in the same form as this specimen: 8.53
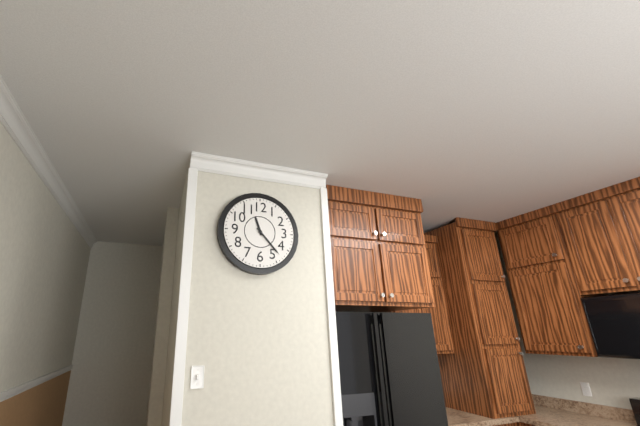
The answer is 11.23
